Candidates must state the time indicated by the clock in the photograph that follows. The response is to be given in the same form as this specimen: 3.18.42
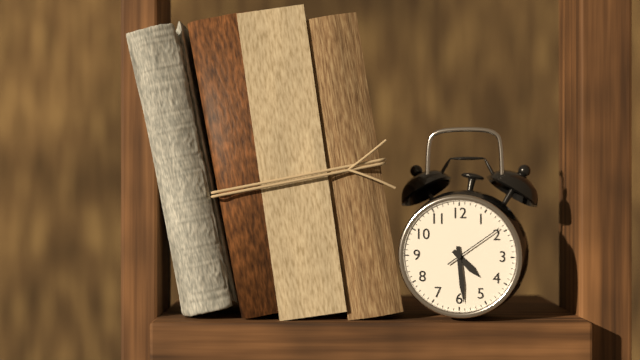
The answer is 4.29.09
